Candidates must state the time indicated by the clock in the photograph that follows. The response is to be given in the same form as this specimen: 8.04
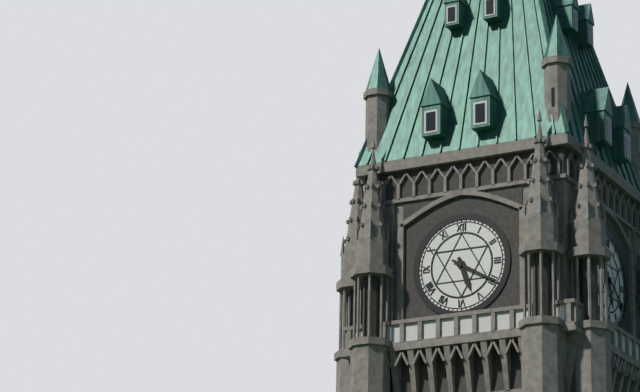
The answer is 5.20
